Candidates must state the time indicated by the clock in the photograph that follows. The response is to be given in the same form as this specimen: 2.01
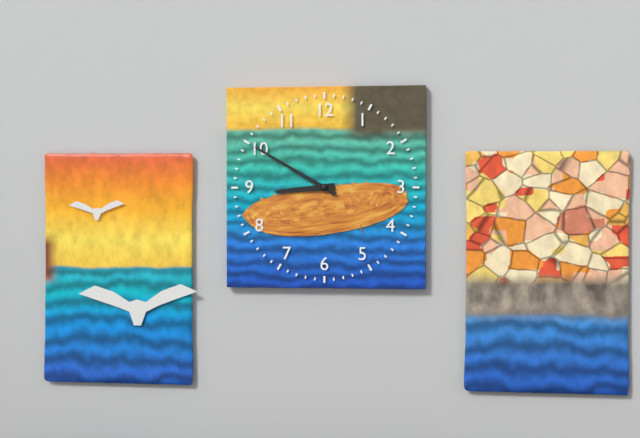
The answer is 8.50
